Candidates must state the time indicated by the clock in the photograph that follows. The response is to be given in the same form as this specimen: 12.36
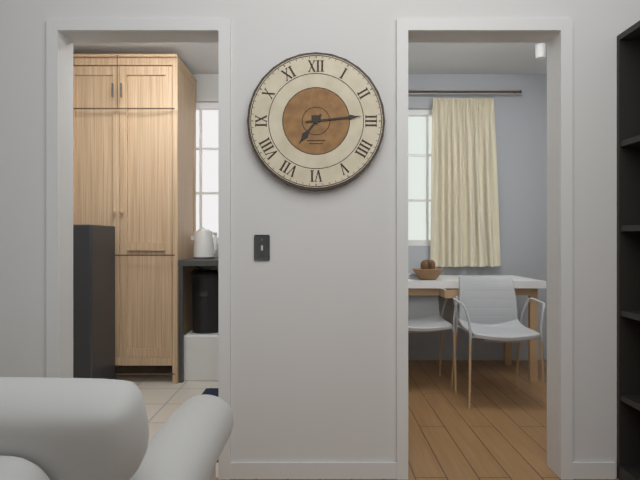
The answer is 7.14
